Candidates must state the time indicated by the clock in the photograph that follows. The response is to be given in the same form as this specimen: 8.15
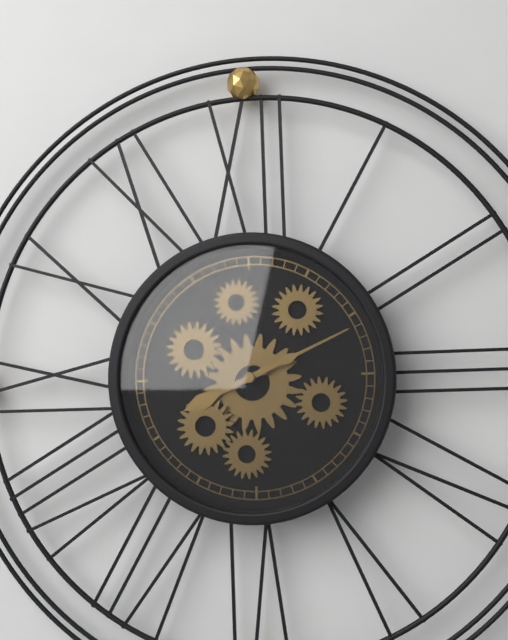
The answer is 8.11
